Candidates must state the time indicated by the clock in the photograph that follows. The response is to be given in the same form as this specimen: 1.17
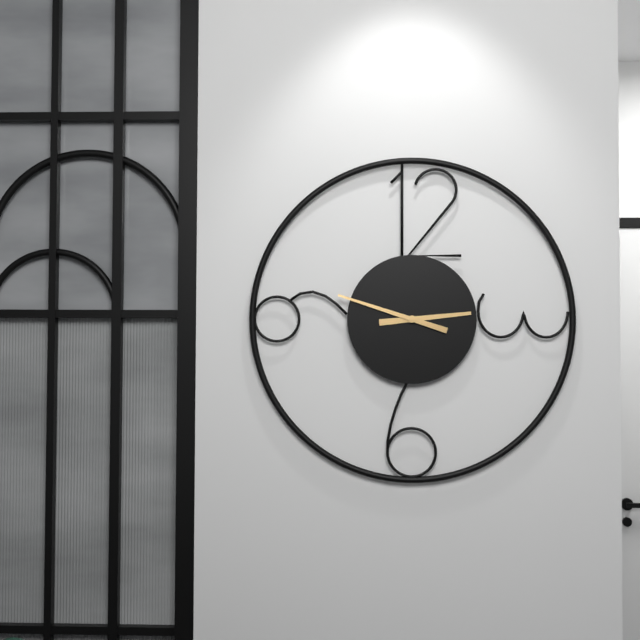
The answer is 2.48
